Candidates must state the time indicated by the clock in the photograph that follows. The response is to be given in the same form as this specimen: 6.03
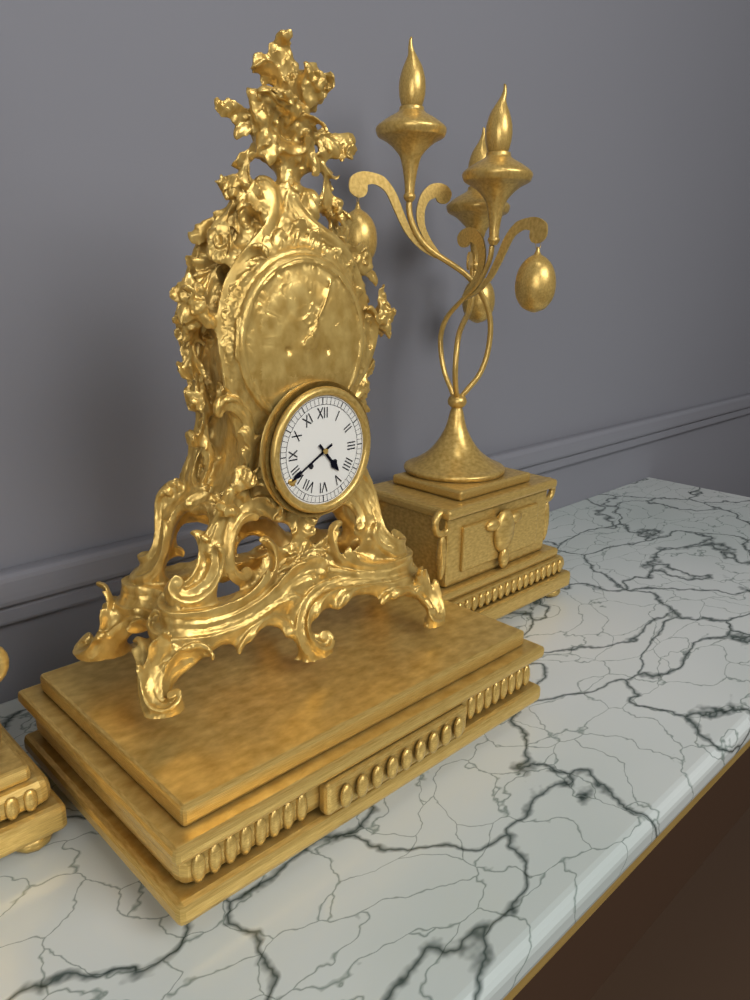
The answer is 4.40
